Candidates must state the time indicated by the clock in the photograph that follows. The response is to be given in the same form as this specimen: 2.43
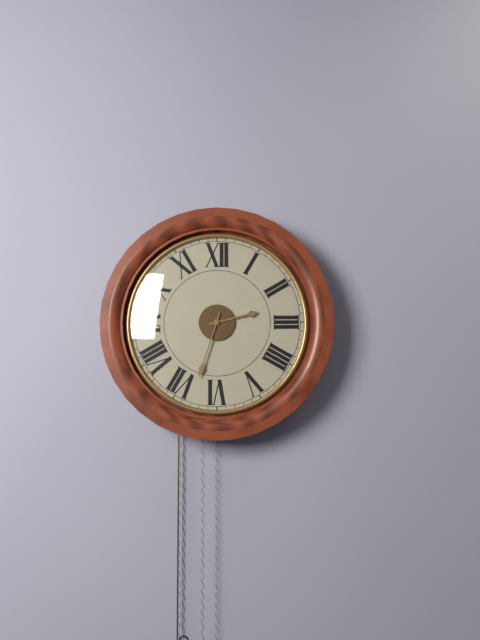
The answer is 2.33
